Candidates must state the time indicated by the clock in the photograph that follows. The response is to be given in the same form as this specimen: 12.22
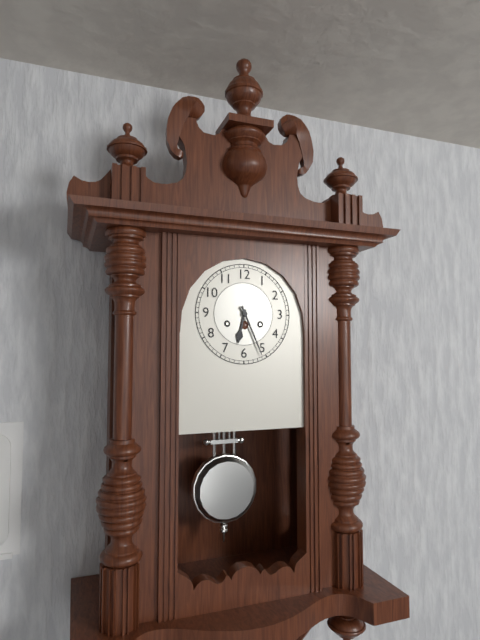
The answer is 6.26
